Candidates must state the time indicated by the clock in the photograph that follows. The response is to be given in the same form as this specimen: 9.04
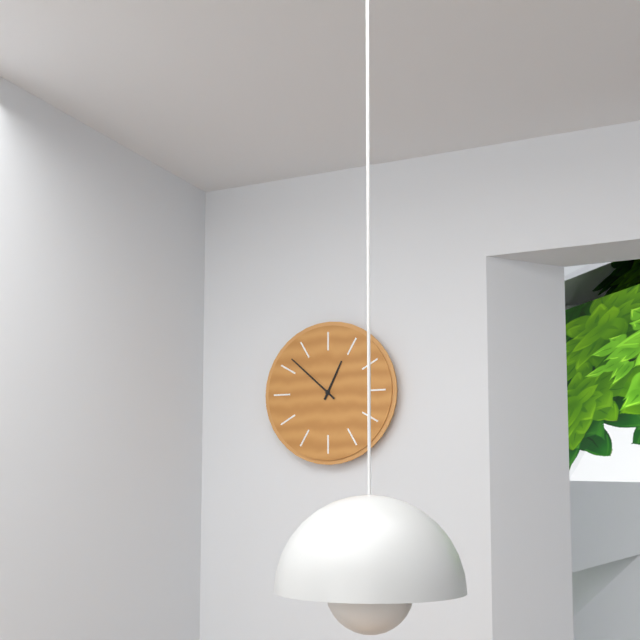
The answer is 12.52
